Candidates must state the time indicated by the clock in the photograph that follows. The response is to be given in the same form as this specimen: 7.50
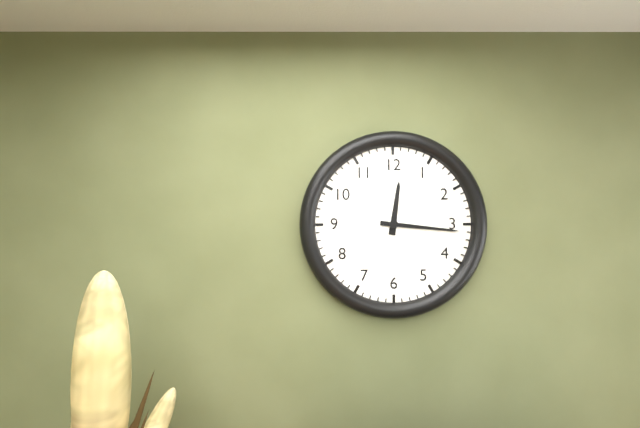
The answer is 12.16
